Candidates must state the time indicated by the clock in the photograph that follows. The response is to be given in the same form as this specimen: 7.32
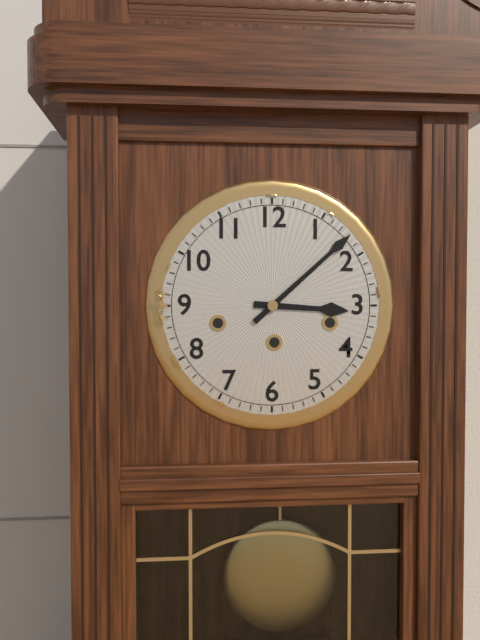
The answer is 3.08
